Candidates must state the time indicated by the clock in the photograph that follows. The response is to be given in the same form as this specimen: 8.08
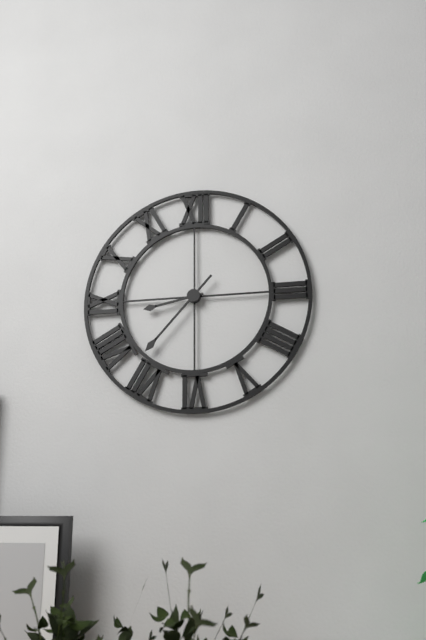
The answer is 8.37
